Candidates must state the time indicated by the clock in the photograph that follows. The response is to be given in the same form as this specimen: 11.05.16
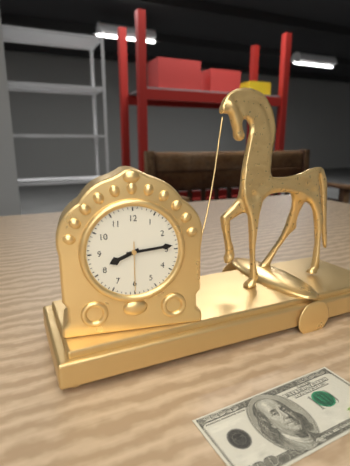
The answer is 8.14.30
